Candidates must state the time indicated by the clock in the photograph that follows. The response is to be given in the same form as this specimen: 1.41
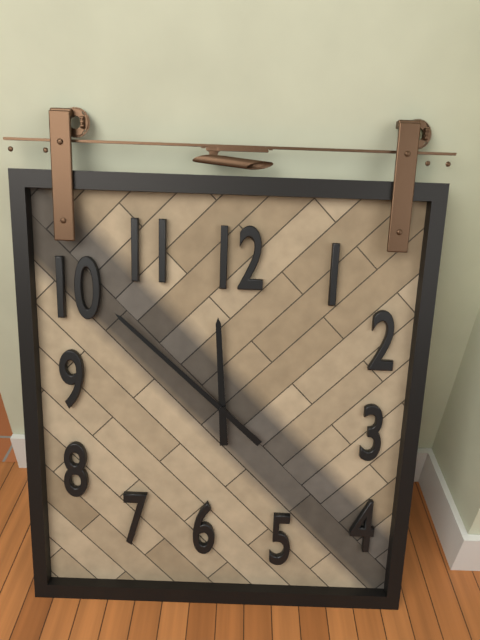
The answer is 11.52
